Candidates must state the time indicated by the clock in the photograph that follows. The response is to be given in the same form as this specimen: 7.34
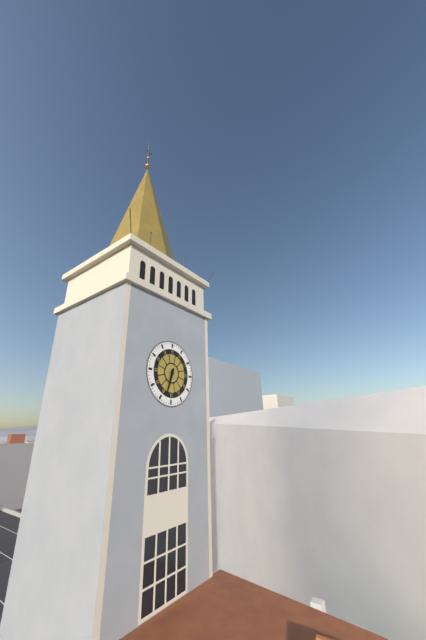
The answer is 6.33
